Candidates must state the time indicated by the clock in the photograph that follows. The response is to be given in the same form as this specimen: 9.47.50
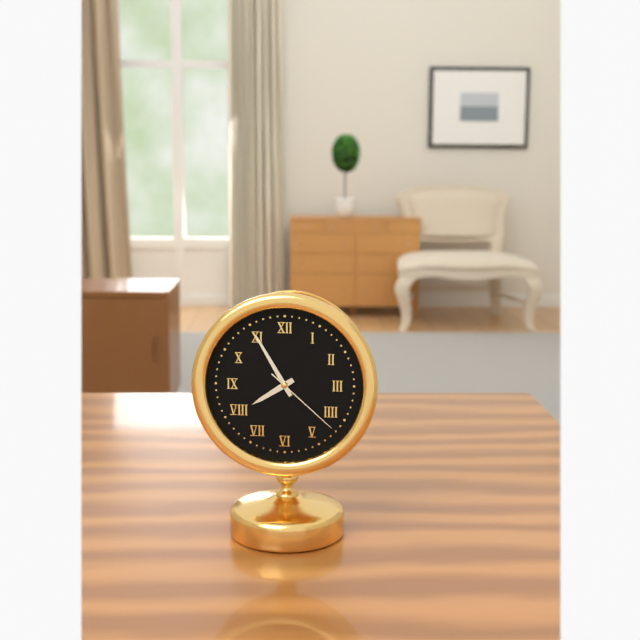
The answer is 7.55.22
